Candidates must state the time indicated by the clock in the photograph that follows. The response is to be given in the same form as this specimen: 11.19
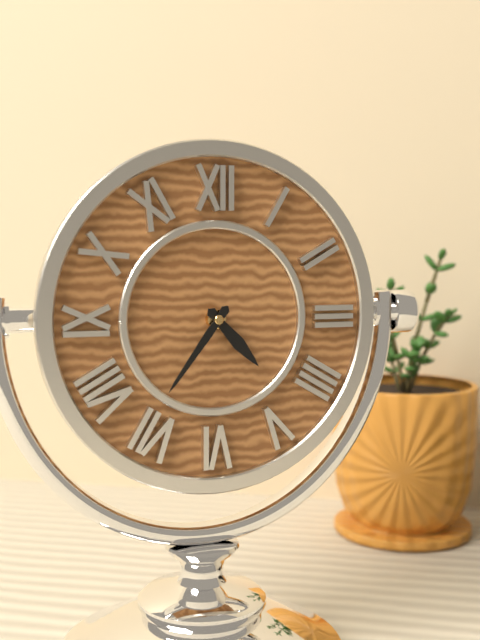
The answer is 4.36
